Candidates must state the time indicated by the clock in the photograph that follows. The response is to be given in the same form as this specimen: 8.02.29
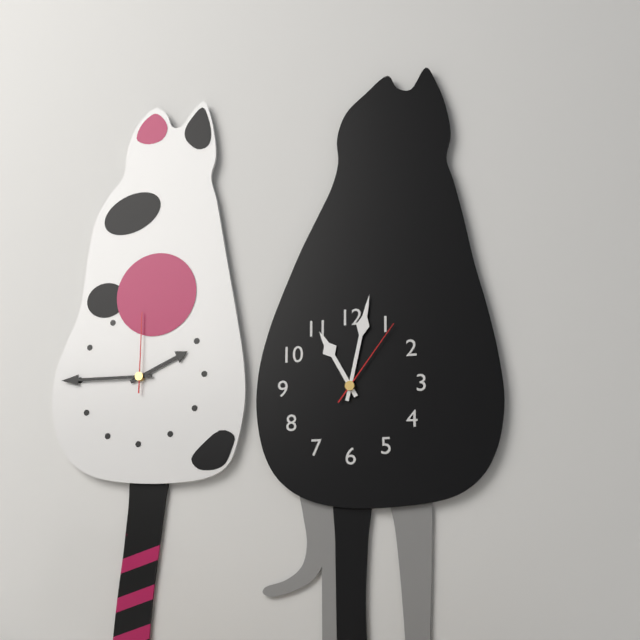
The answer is 11.02.06
